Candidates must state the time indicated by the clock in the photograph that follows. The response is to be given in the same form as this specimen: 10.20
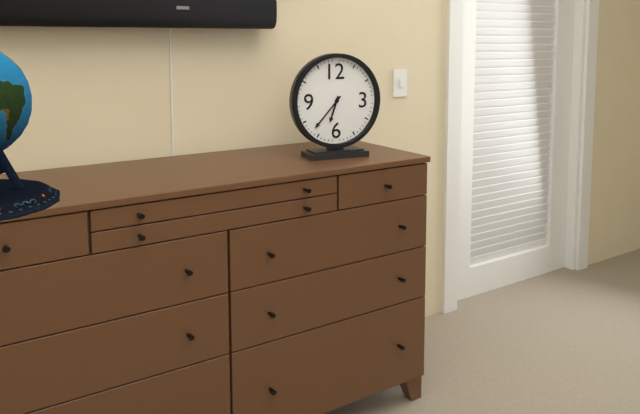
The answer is 6.37
